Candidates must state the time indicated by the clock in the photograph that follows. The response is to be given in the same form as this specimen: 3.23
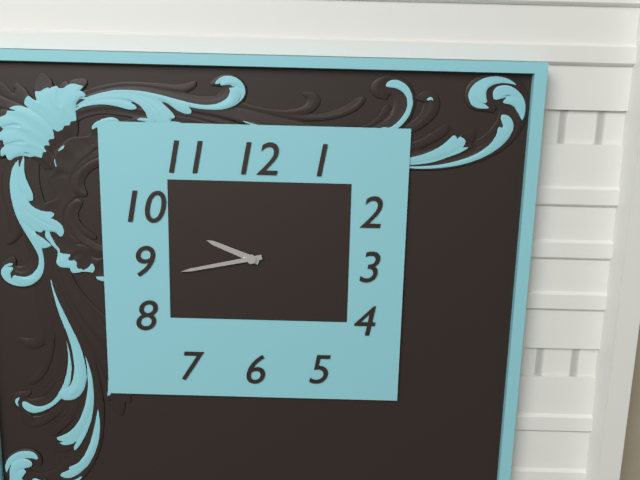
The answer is 9.43
